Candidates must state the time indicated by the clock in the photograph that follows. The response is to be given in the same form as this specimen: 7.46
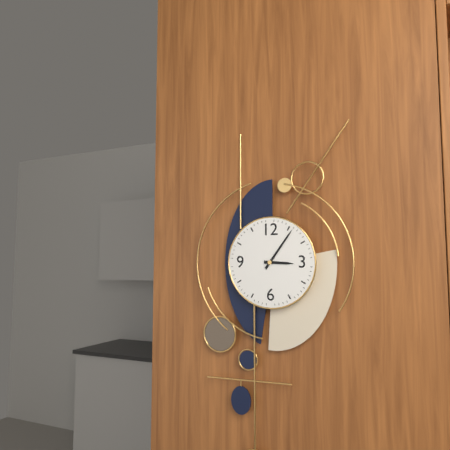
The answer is 3.06
